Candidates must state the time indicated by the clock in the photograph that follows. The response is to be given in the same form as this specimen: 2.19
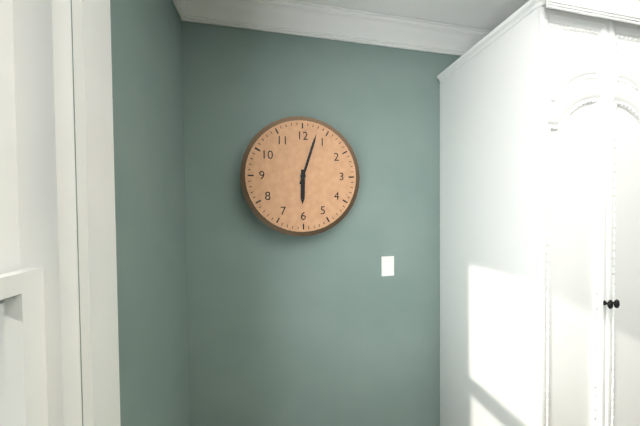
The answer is 6.03
